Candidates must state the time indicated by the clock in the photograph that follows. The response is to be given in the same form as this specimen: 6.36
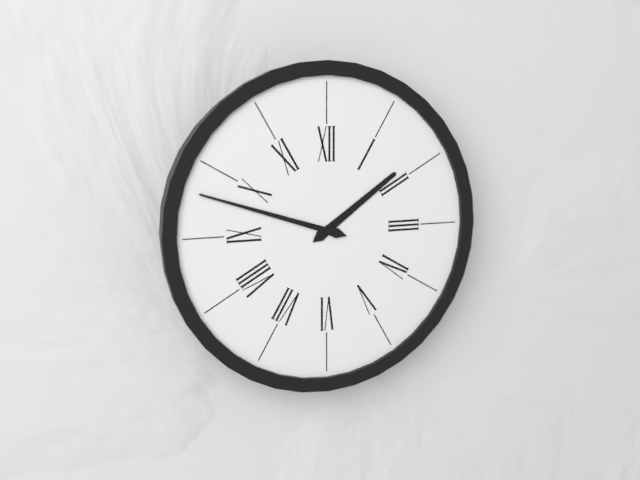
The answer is 1.48
